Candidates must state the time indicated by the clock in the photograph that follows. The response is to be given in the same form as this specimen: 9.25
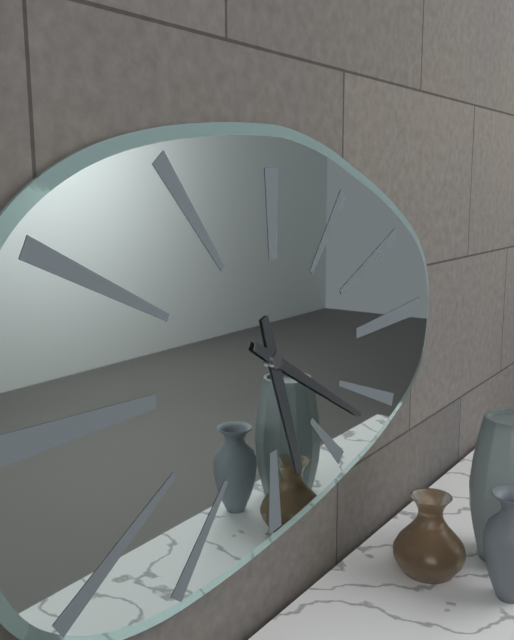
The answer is 5.20
